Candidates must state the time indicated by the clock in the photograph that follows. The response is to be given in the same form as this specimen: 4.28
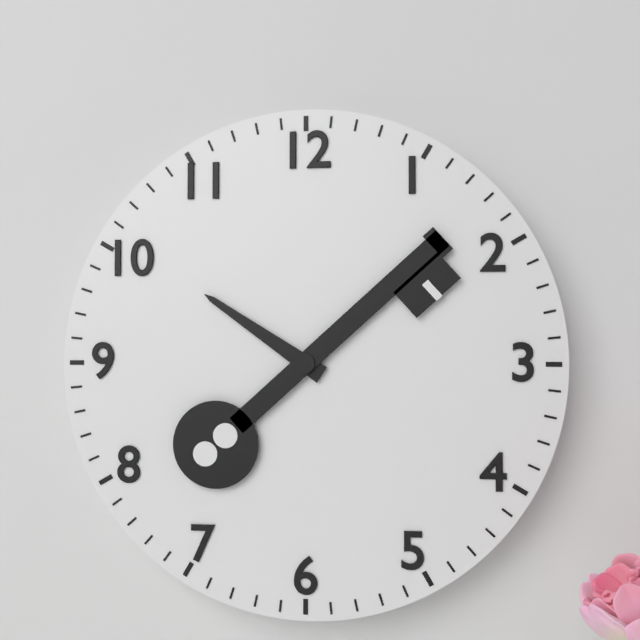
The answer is 10.08
